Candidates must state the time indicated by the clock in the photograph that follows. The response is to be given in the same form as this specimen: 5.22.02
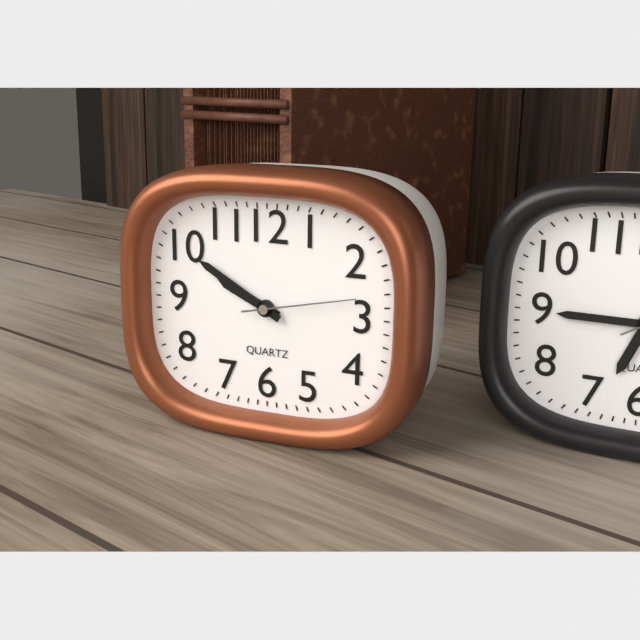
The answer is 9.50.13
